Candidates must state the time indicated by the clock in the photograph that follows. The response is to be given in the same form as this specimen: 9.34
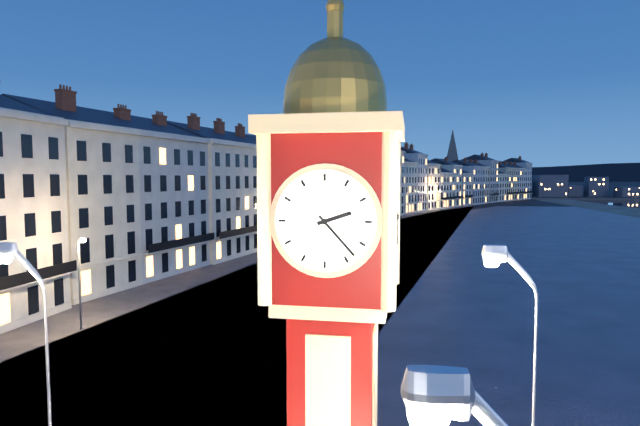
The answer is 2.23
